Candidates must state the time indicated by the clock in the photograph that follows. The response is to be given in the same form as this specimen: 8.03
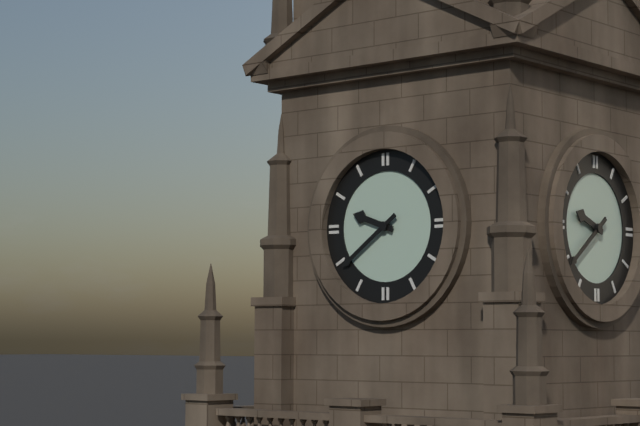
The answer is 9.39
